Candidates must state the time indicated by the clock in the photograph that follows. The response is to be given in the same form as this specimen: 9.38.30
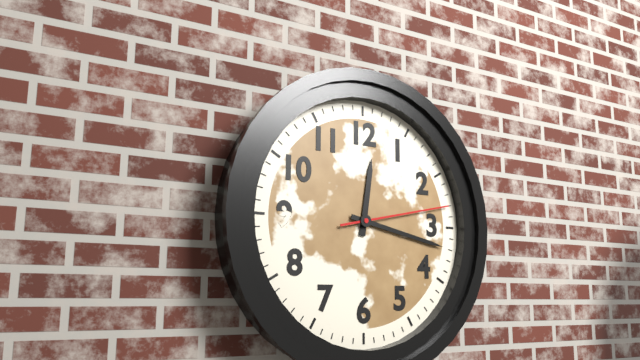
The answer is 12.17.13
